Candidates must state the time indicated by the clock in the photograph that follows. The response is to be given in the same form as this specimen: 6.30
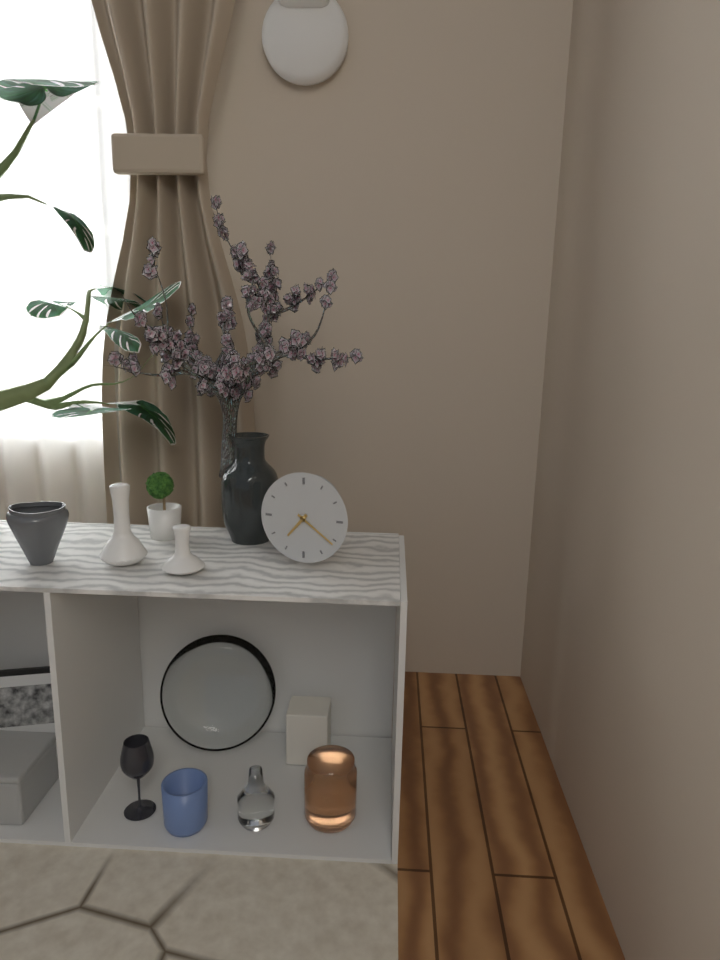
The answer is 7.21
